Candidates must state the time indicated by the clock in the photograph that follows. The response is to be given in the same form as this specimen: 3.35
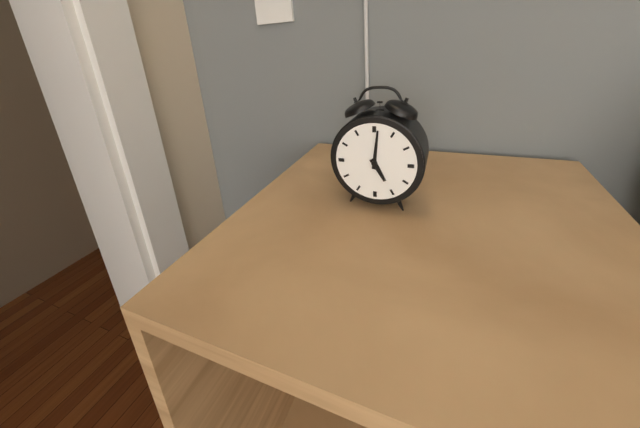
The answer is 5.01
